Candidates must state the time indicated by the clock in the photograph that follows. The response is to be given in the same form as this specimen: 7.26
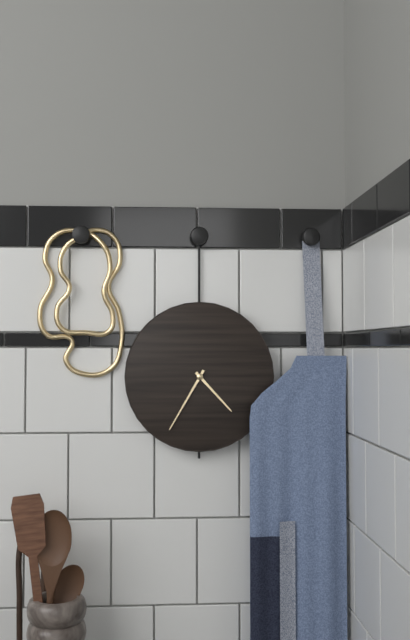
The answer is 4.35
